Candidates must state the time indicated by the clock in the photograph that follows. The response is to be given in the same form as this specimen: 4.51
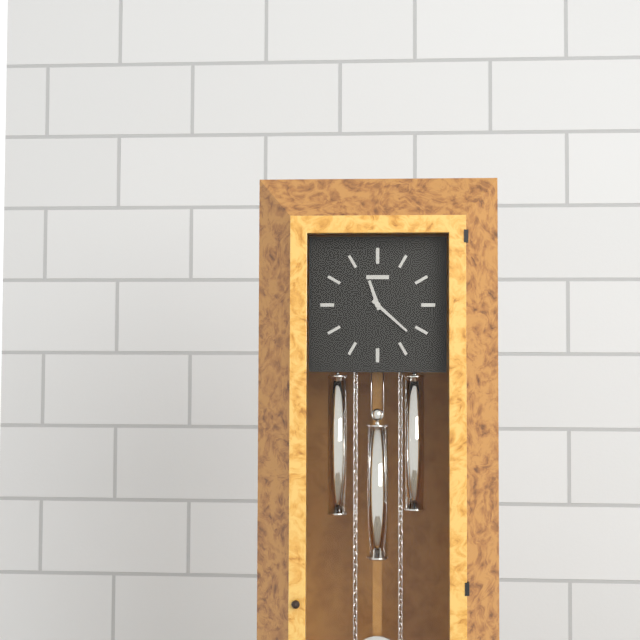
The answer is 11.22
